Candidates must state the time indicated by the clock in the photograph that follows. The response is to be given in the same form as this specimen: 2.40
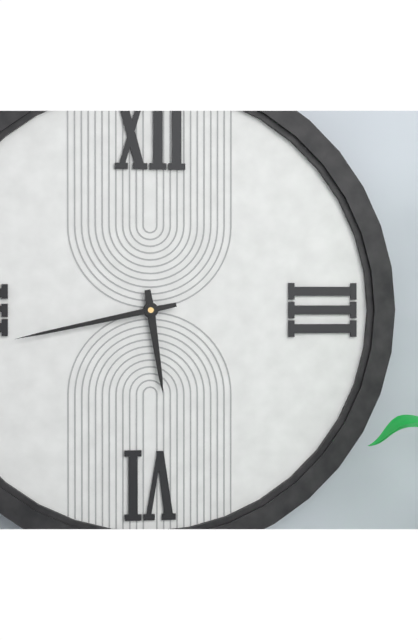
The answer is 5.43
